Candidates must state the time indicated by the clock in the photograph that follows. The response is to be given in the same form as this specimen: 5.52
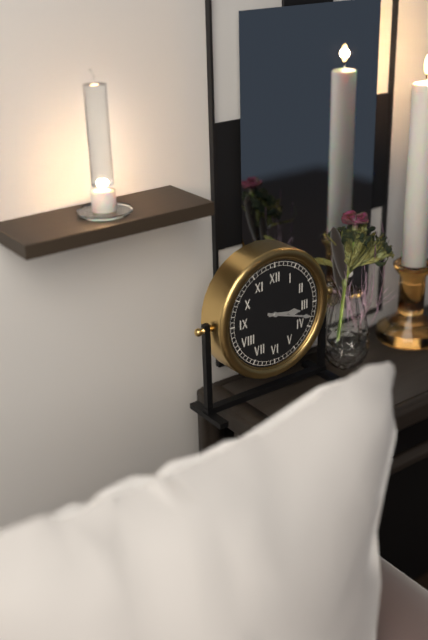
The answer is 3.18
